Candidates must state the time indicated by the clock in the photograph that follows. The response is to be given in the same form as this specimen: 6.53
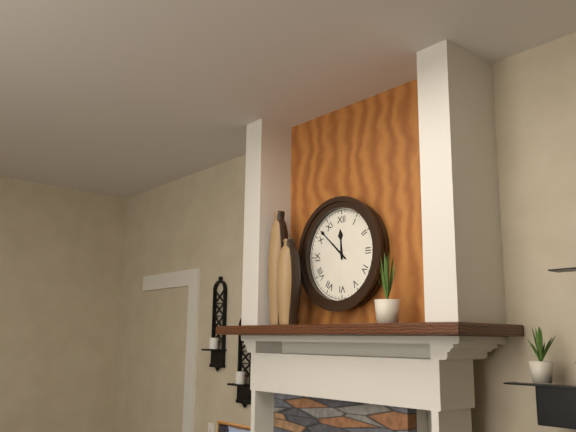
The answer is 11.52
